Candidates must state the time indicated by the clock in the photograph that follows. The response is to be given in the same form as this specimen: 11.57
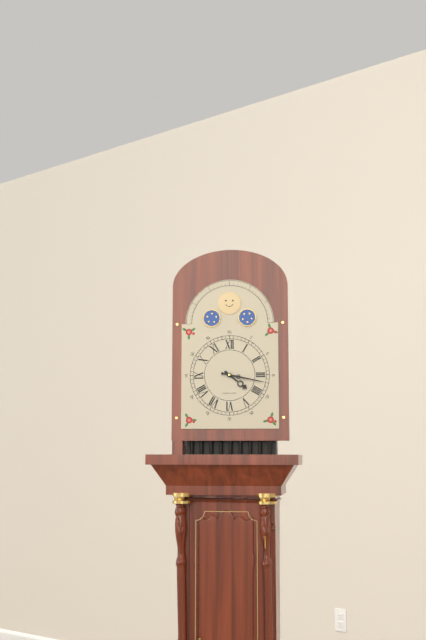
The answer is 4.17
